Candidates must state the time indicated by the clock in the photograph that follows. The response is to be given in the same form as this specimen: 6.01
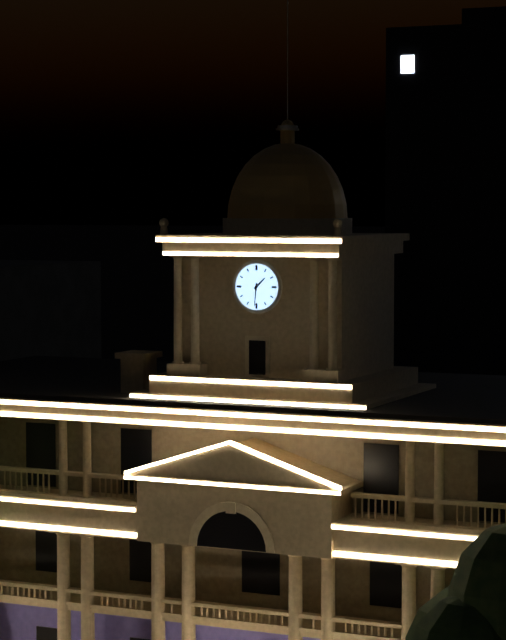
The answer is 1.31
